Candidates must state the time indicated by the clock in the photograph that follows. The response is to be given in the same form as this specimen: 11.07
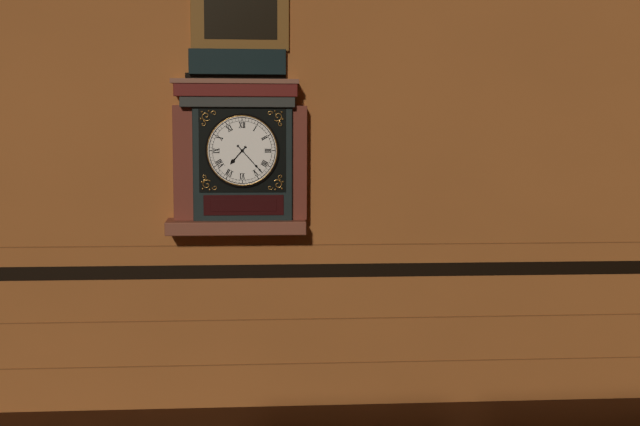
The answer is 7.23
